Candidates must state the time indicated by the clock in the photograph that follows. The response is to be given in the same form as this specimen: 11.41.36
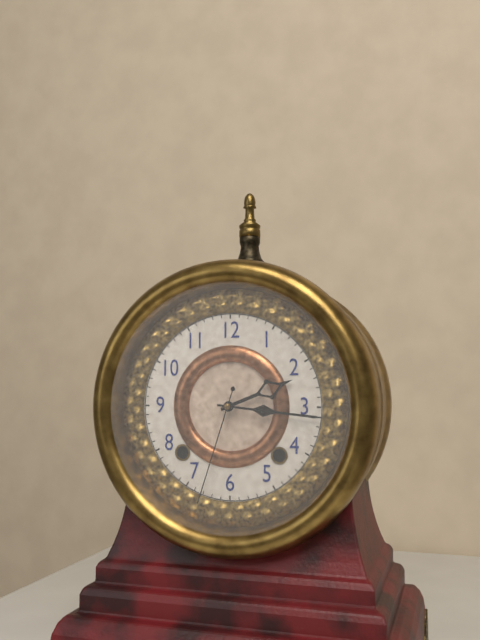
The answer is 2.16.33
